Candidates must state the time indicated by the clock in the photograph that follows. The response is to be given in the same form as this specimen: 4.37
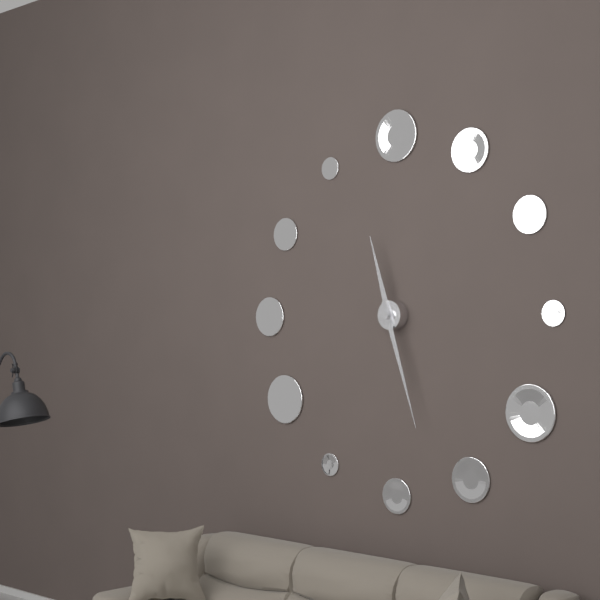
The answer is 11.27
